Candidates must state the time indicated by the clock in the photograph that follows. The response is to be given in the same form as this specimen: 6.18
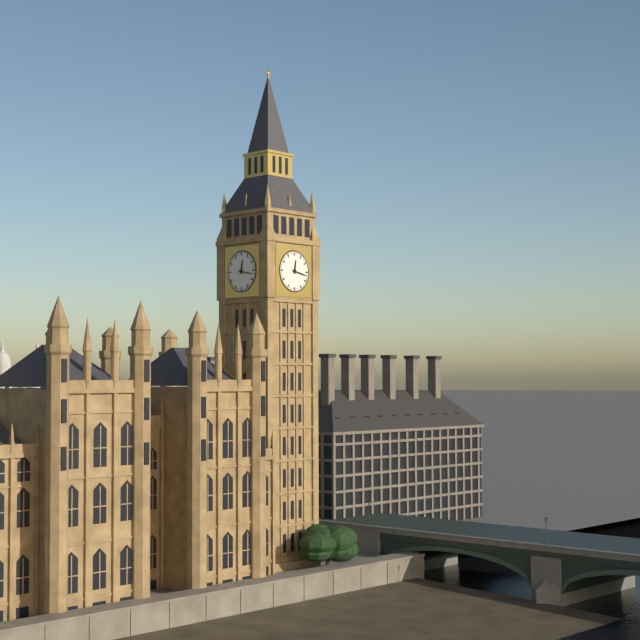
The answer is 12.17
